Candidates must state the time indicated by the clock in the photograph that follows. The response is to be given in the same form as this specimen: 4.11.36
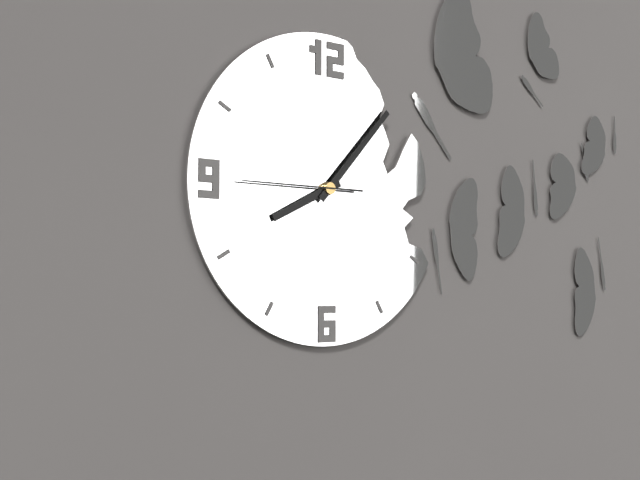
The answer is 8.07.45
